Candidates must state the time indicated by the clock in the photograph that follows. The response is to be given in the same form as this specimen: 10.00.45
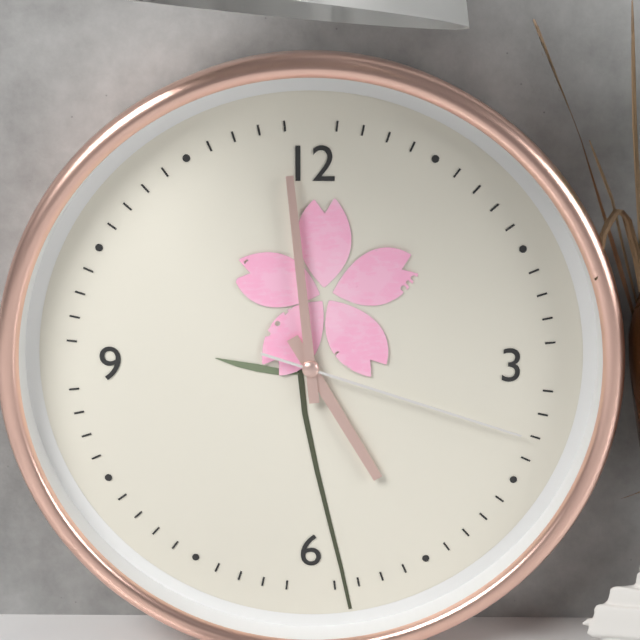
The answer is 4.59.18
